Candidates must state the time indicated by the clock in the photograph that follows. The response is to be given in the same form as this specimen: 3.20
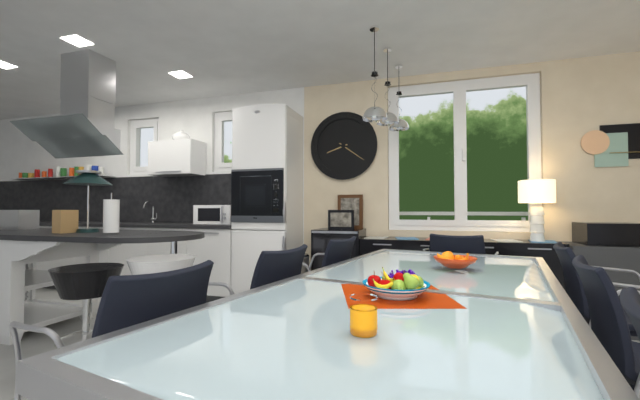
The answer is 8.21
